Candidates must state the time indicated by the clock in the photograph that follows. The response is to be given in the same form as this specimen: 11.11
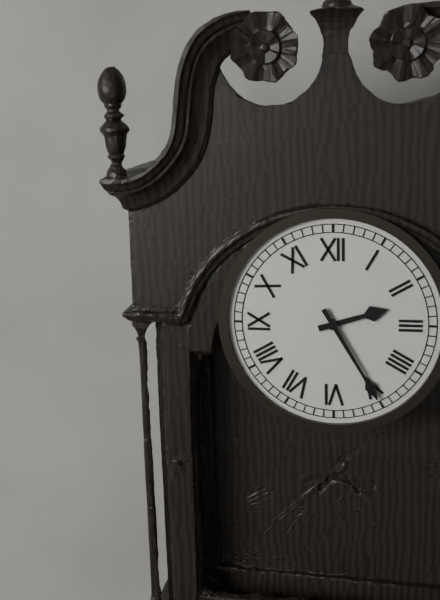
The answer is 2.25
